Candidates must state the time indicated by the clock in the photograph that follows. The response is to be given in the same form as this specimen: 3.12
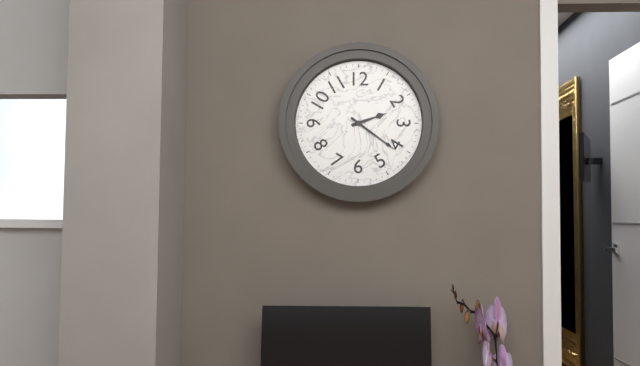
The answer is 2.21
